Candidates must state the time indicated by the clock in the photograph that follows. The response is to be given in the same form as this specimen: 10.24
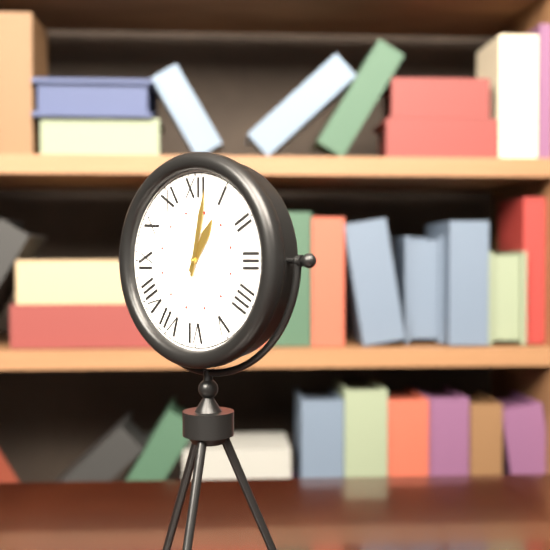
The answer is 1.02
